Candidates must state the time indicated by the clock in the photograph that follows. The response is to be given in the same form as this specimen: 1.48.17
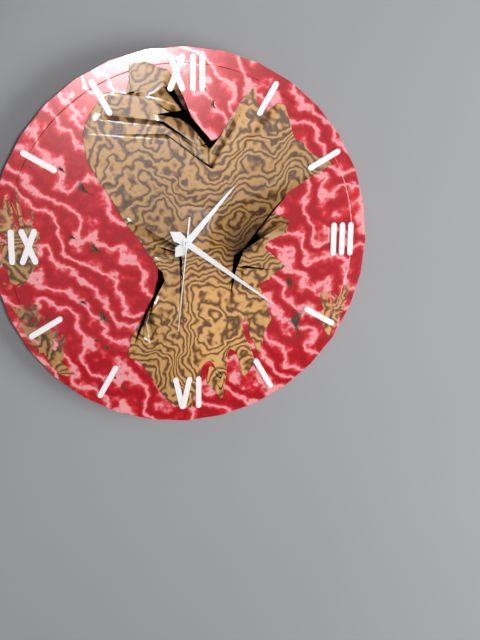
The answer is 1.21.31
